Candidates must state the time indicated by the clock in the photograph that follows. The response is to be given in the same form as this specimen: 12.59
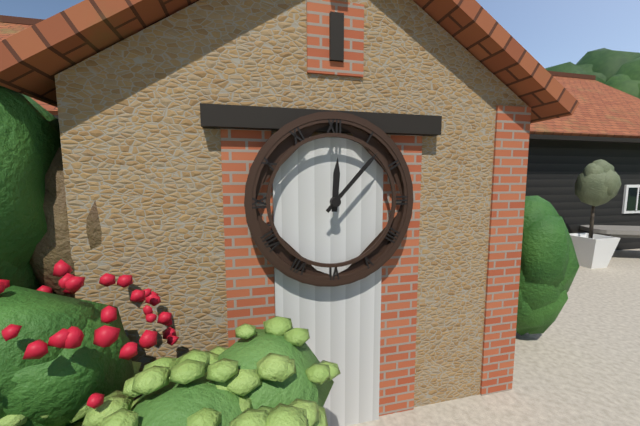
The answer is 12.07
